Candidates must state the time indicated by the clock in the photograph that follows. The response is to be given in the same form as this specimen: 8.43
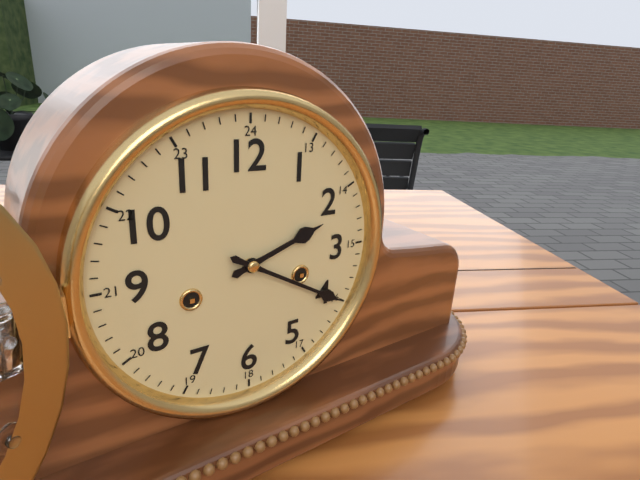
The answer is 2.20
